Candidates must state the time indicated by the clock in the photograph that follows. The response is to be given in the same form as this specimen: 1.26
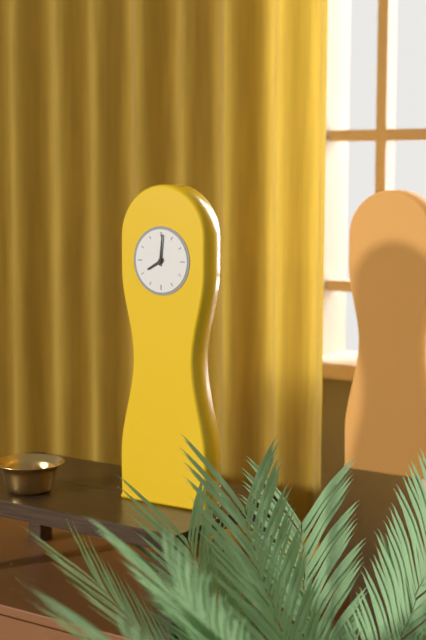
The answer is 8.01
